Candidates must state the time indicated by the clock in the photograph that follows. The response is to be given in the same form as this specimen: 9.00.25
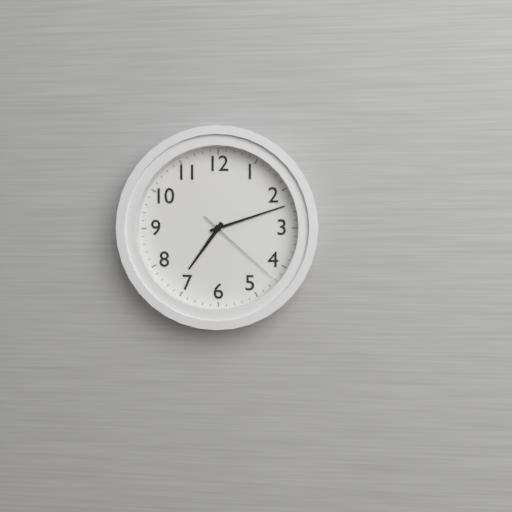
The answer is 7.12.22
